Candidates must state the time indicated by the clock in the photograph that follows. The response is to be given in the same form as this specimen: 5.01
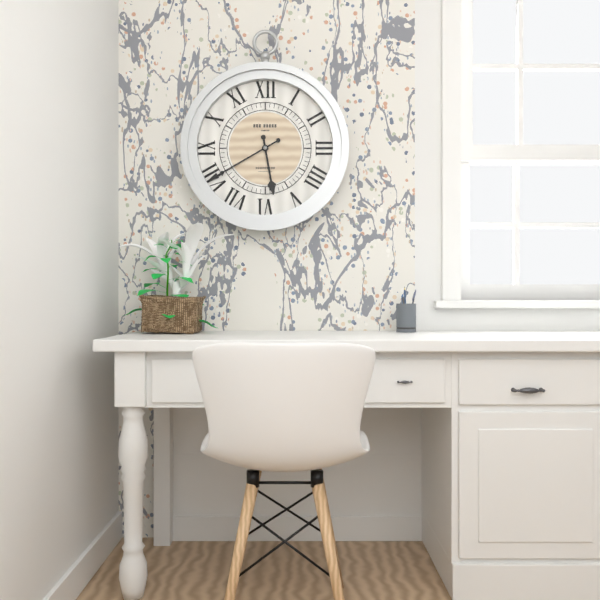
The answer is 5.40
